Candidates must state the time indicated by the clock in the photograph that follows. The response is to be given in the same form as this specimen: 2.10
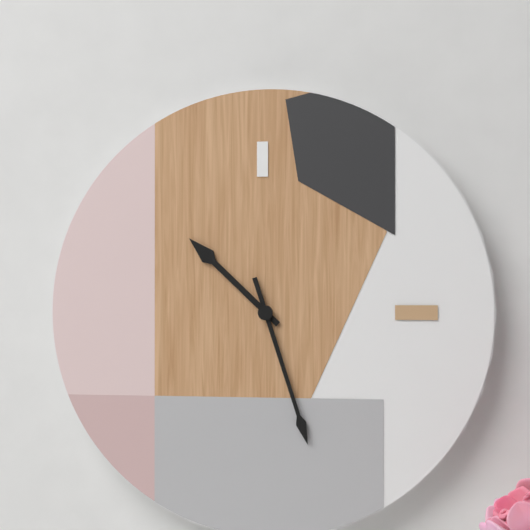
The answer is 10.27
